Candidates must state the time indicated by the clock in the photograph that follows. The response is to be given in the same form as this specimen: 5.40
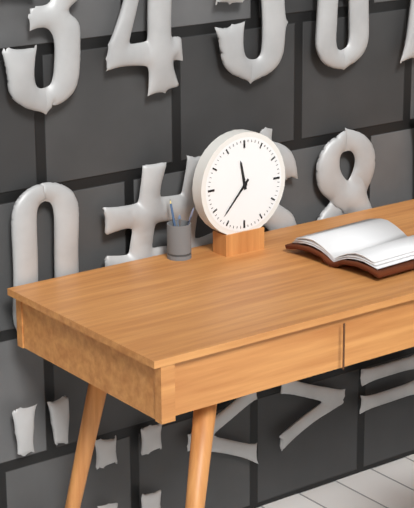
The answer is 11.37
